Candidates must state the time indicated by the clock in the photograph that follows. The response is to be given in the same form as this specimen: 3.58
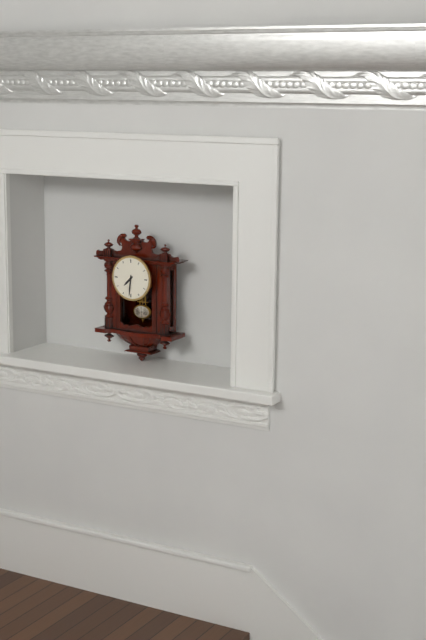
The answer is 7.31
